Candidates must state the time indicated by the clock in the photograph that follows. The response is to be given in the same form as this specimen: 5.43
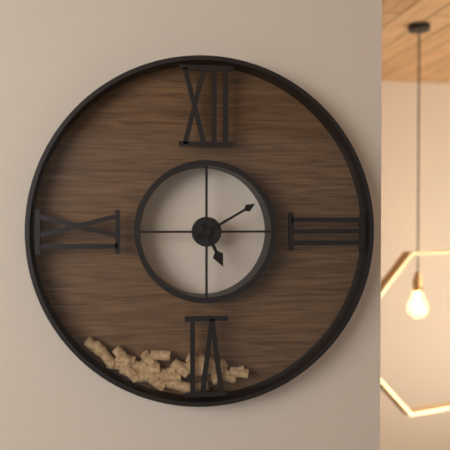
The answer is 5.10
